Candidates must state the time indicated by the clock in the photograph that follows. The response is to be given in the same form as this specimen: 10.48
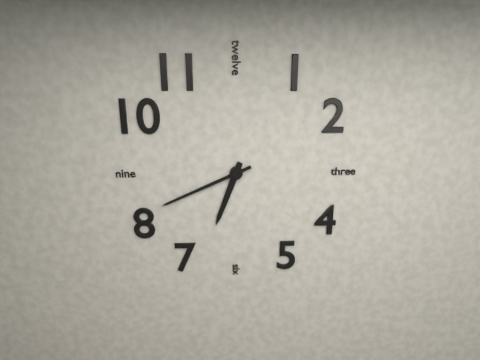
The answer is 6.41
